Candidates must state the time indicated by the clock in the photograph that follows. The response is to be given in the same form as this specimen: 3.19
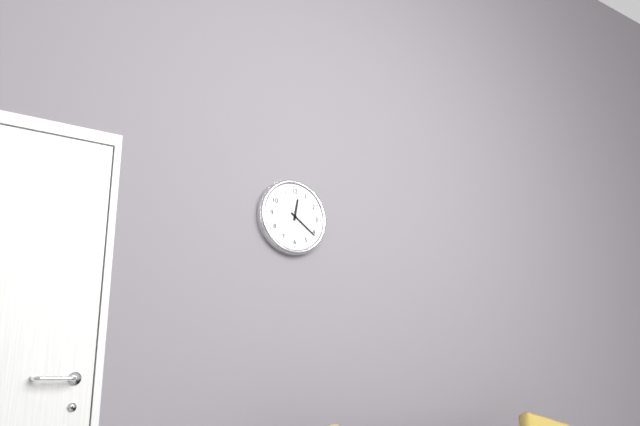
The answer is 12.21
